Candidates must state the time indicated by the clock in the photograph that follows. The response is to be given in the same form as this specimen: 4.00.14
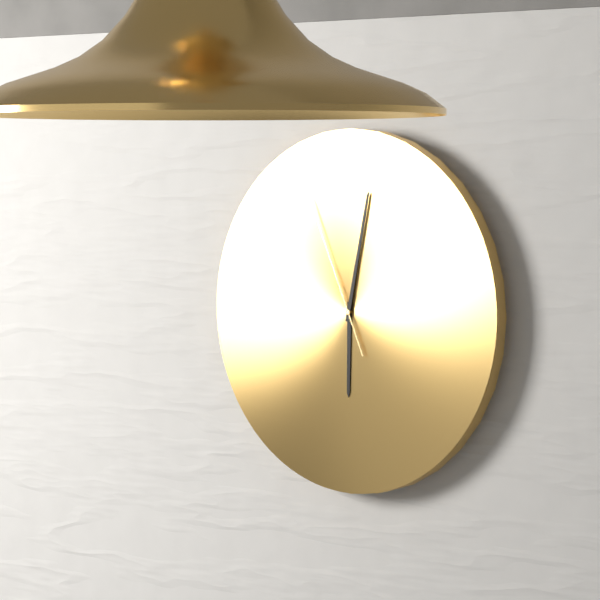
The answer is 6.02.56
